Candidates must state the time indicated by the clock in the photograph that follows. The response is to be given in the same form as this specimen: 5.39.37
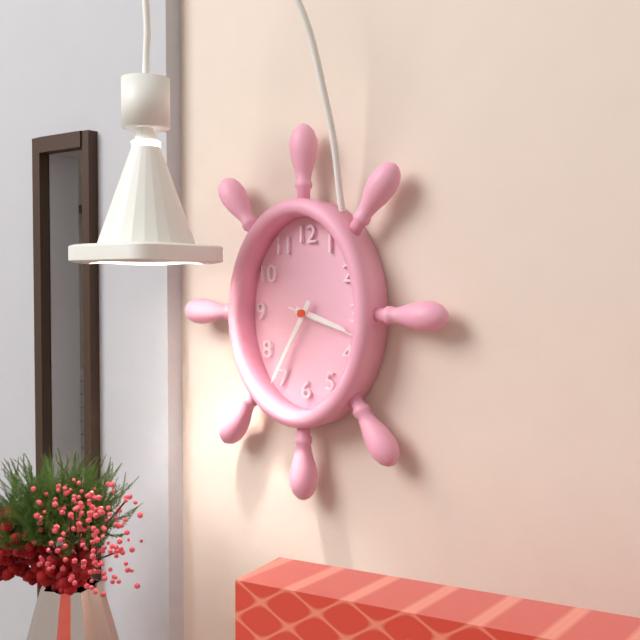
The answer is 3.35.18
